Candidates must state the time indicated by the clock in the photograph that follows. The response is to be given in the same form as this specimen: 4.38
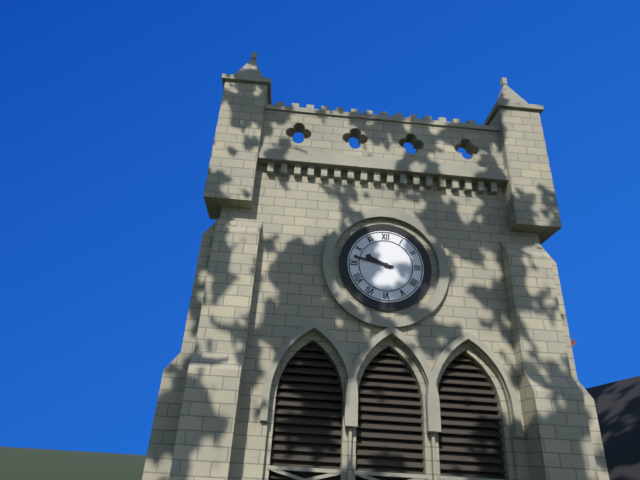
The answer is 9.47
